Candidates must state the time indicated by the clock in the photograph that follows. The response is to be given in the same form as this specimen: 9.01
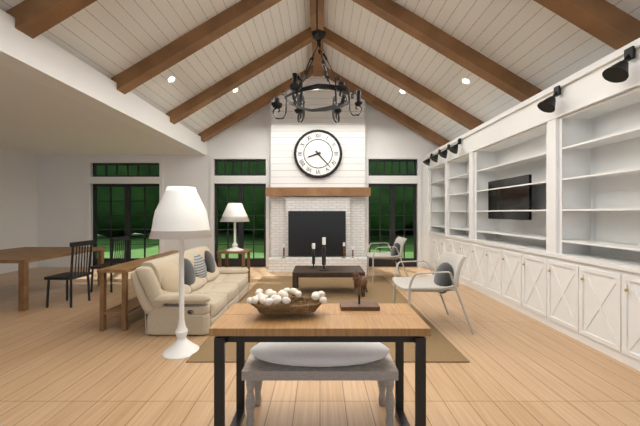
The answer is 8.23
